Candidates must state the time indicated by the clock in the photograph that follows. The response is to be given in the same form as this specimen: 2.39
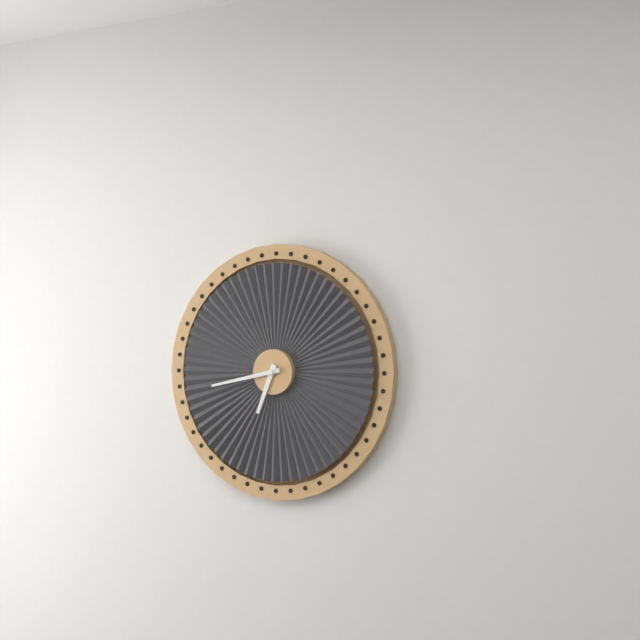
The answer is 6.43
